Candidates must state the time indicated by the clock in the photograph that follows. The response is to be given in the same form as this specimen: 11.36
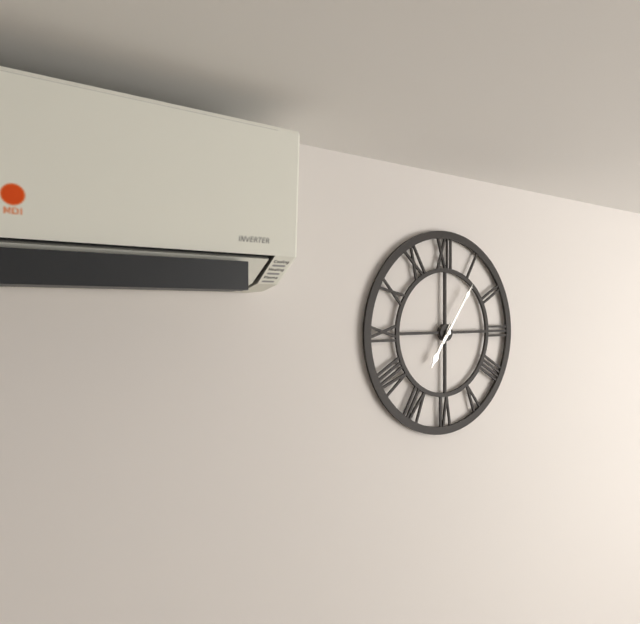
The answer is 7.06
